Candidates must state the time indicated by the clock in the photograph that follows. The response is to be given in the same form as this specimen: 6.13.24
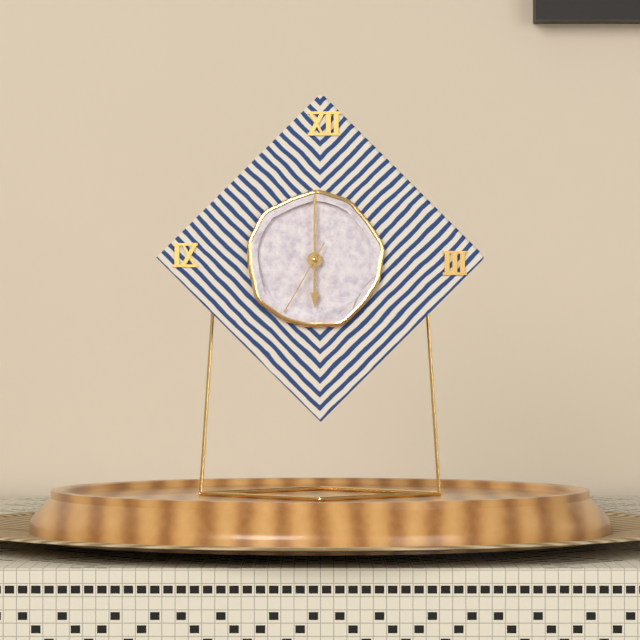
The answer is 6.00.35
